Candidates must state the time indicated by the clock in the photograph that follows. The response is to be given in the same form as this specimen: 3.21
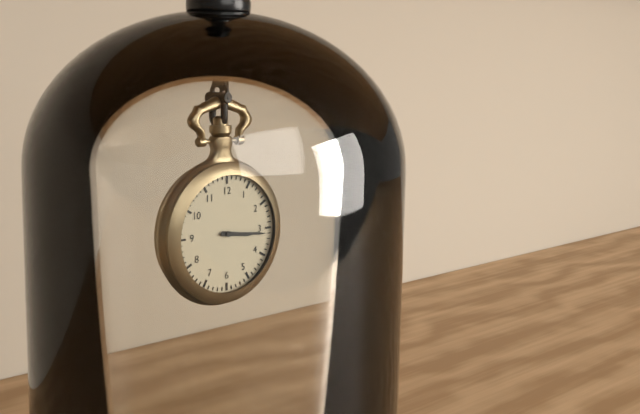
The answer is 3.16
